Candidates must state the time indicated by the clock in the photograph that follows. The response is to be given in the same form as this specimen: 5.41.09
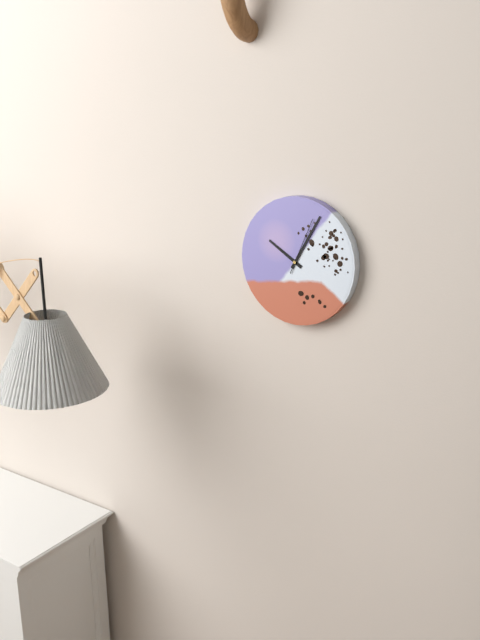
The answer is 10.05.04
